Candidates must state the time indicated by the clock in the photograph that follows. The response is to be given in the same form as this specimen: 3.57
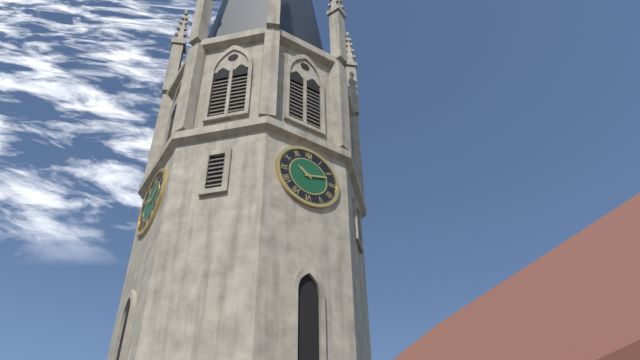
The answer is 10.12
